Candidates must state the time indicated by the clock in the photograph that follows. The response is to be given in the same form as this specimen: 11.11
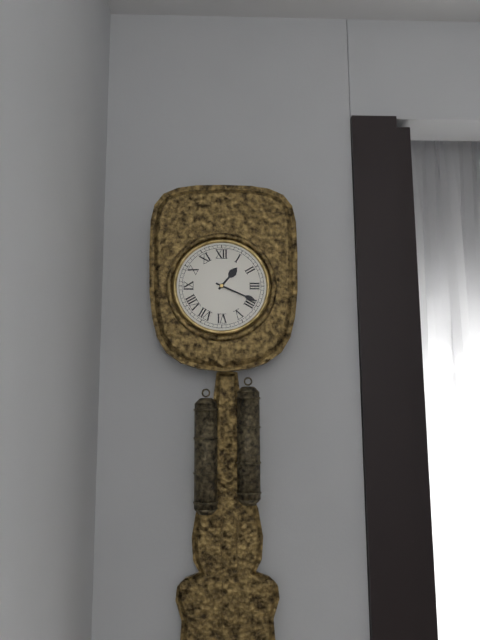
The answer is 1.19
